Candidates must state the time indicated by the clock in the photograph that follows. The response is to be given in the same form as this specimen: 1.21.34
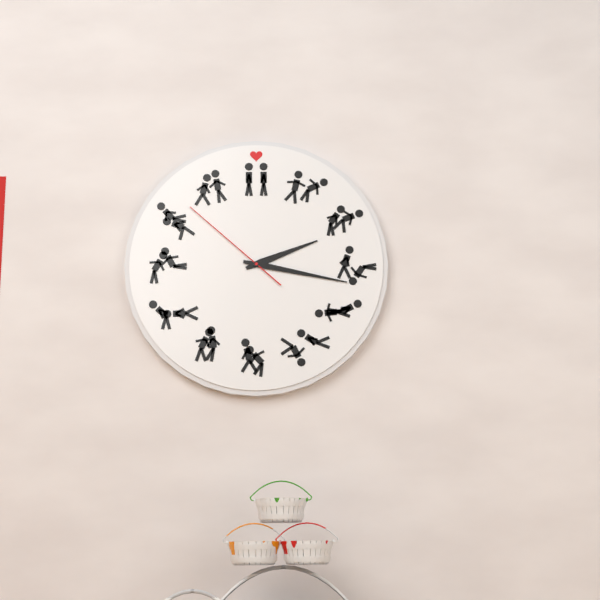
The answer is 2.17.52
